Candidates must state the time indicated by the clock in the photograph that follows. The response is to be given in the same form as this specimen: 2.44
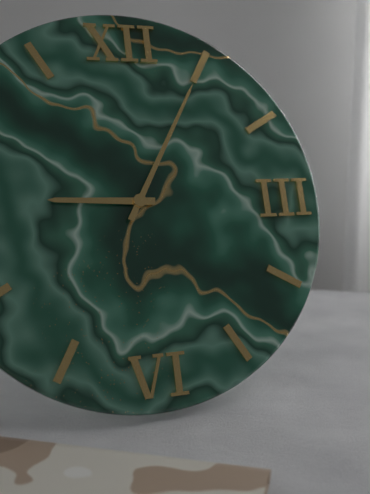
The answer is 9.05
